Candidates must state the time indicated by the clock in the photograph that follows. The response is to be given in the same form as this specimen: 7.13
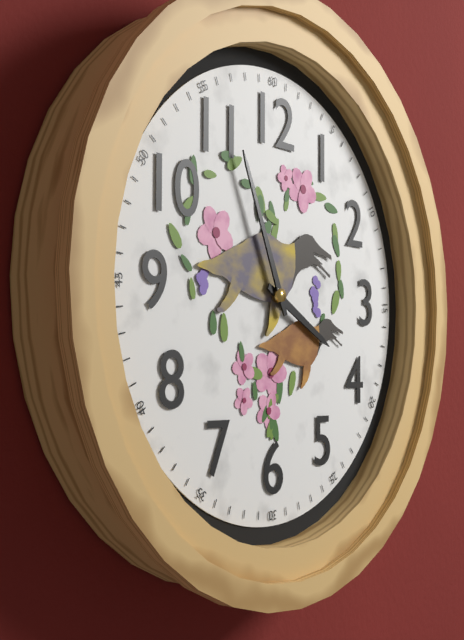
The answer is 3.56
